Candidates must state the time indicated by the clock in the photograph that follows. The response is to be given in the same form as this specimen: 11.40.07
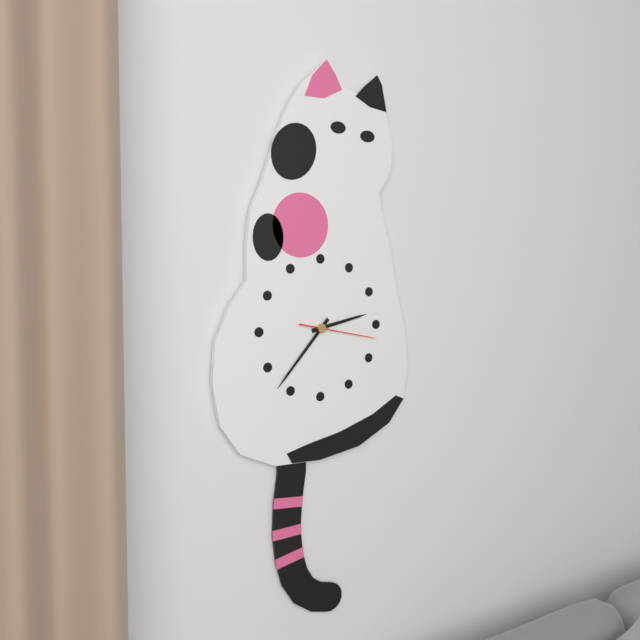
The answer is 2.37.17
